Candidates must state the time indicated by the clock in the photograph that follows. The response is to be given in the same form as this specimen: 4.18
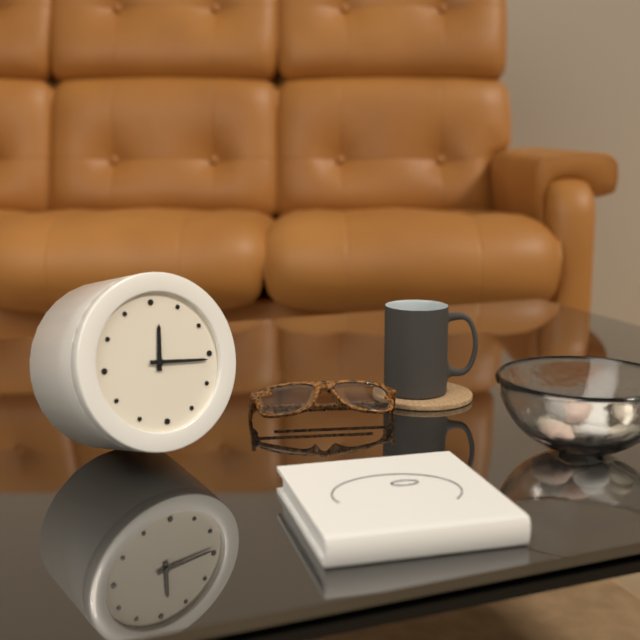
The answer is 12.16
